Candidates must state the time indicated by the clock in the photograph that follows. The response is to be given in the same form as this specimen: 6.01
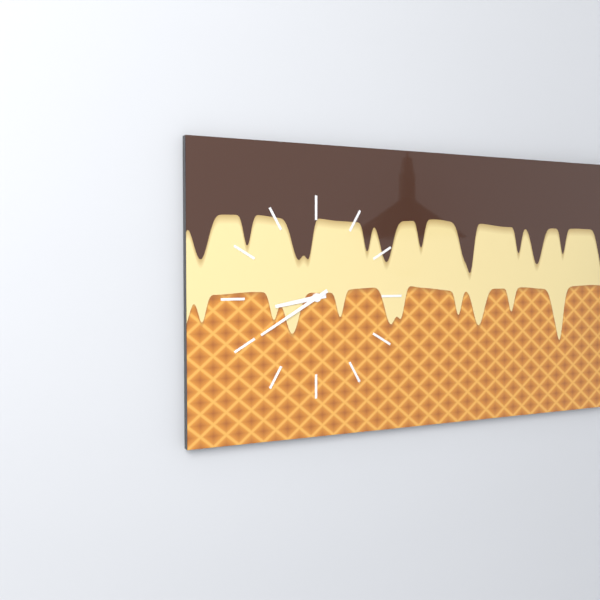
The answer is 8.40
